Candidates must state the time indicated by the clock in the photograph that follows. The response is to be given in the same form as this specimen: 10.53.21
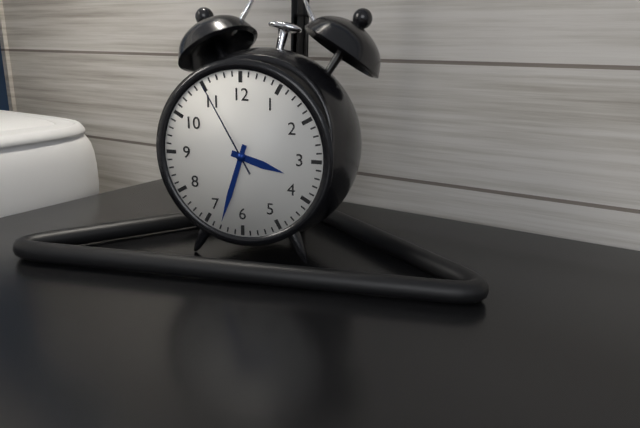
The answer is 3.33.55
